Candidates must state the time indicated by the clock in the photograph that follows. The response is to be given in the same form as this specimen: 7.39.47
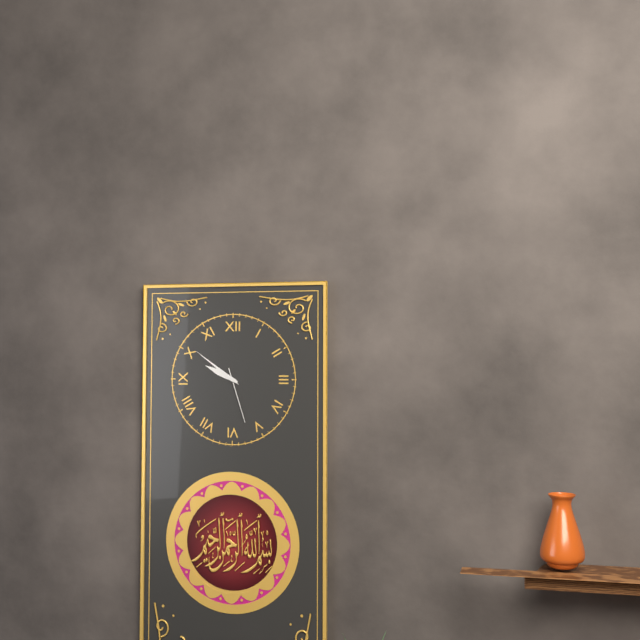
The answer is 9.51.27
